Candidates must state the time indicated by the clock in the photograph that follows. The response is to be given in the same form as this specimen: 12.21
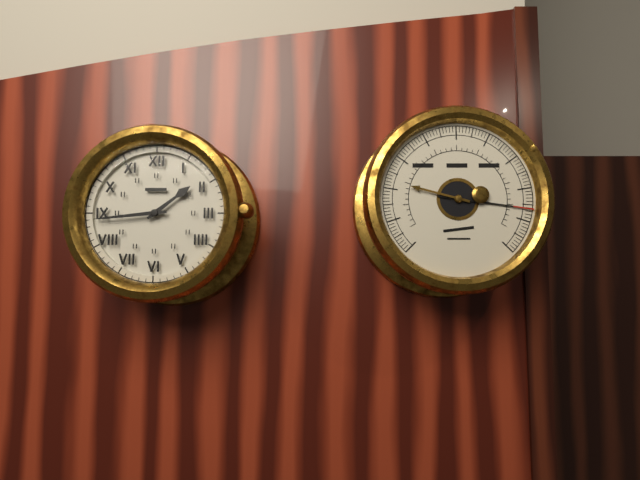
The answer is 1.44
